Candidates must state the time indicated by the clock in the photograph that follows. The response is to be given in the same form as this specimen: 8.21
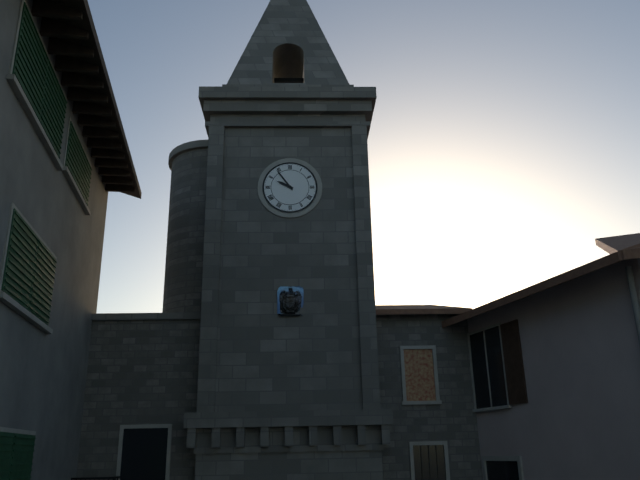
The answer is 9.54
